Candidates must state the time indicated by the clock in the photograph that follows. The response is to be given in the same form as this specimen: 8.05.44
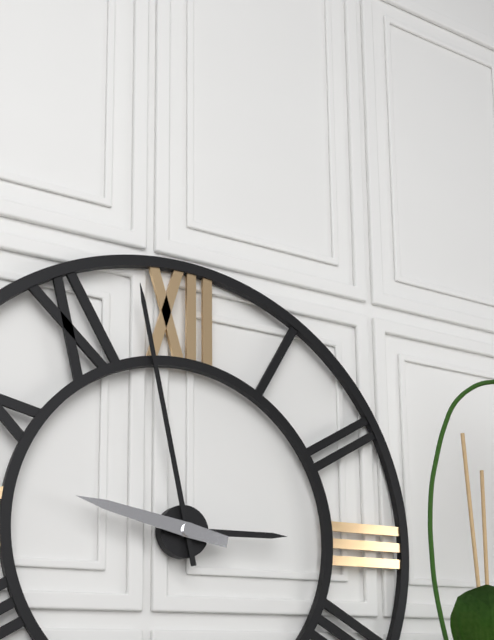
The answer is 2.58.47
